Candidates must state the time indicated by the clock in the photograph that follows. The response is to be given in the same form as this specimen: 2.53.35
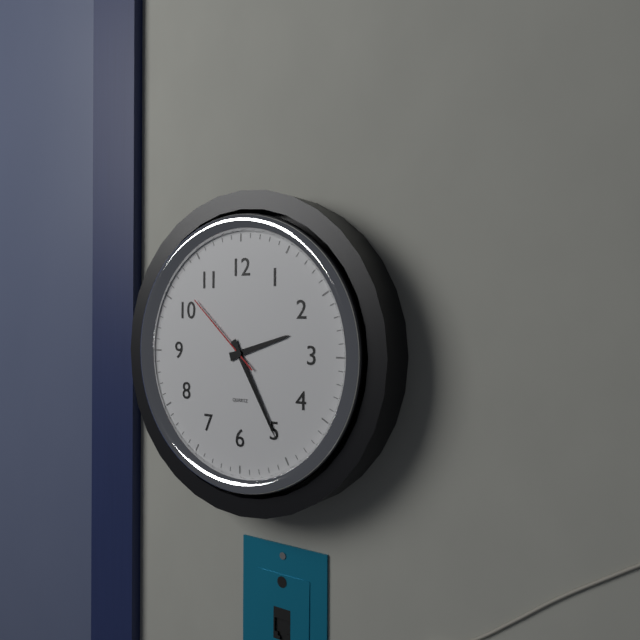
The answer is 2.25.52
